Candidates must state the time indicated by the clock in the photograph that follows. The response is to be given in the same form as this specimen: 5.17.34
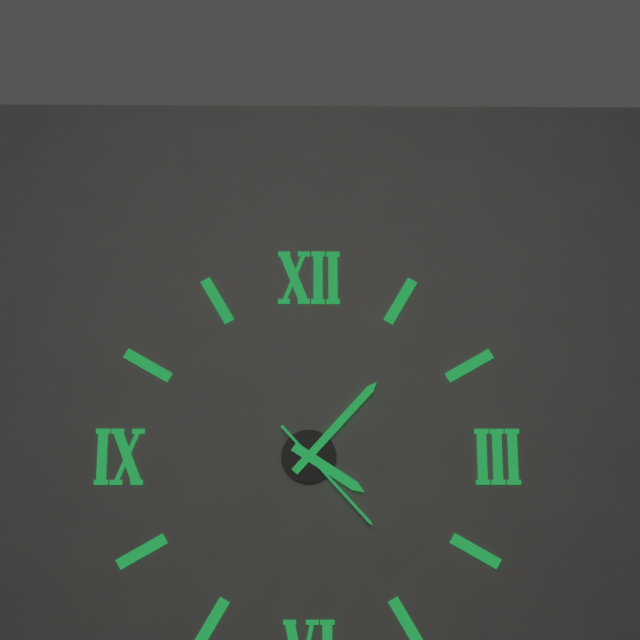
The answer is 4.07.23
